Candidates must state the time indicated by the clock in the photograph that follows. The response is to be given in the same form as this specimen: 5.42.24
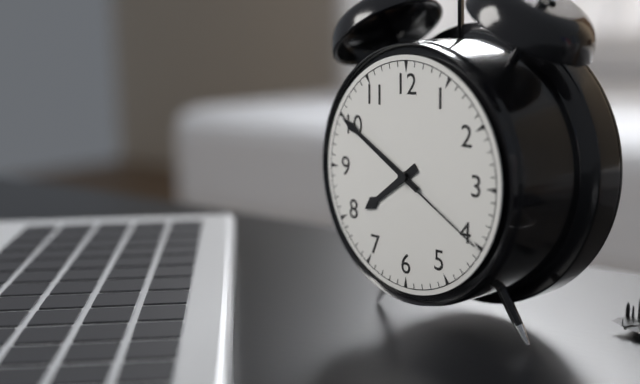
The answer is 7.50.20
